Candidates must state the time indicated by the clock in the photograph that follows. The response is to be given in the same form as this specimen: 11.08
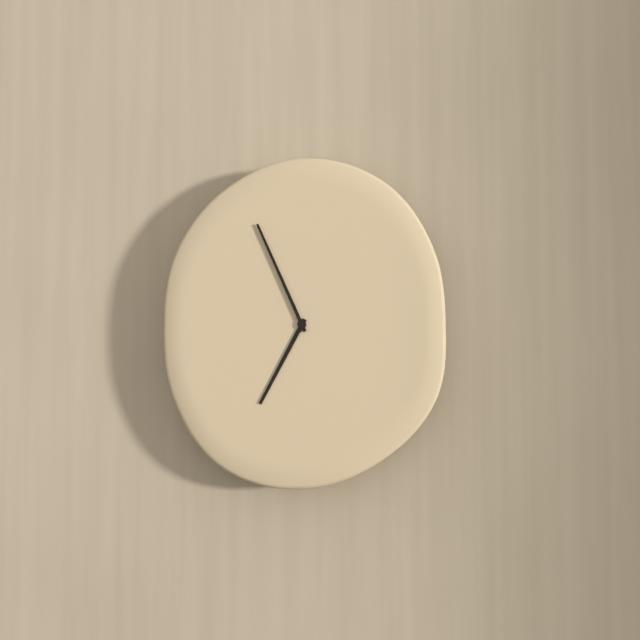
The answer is 6.56
